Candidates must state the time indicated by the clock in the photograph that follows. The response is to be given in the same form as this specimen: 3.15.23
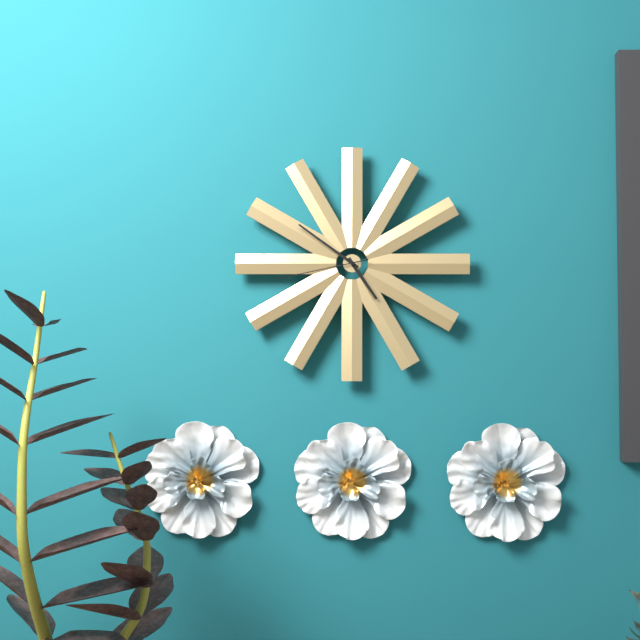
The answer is 4.51.43
